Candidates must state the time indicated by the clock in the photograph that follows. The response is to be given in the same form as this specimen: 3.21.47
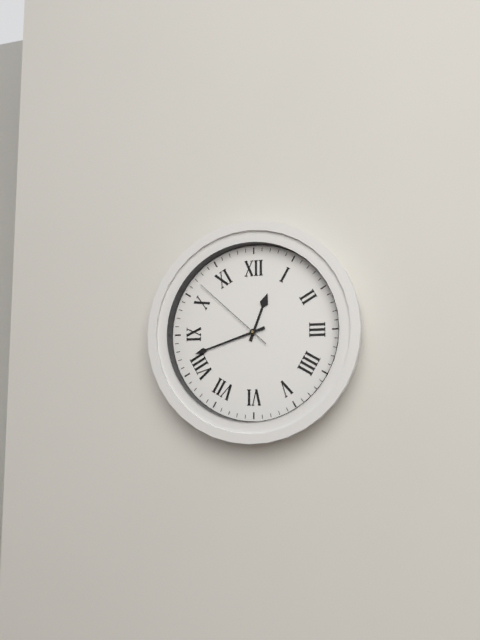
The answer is 12.42.52
